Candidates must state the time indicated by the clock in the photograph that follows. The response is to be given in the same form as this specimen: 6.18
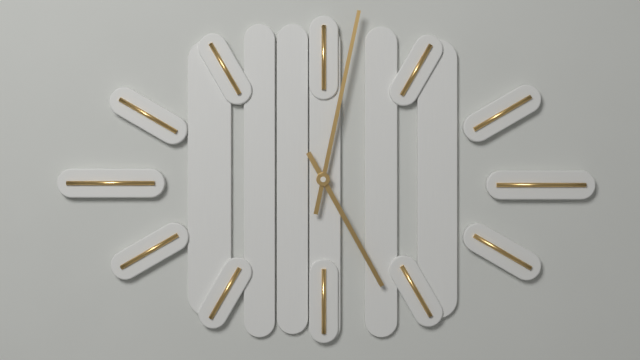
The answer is 5.02
